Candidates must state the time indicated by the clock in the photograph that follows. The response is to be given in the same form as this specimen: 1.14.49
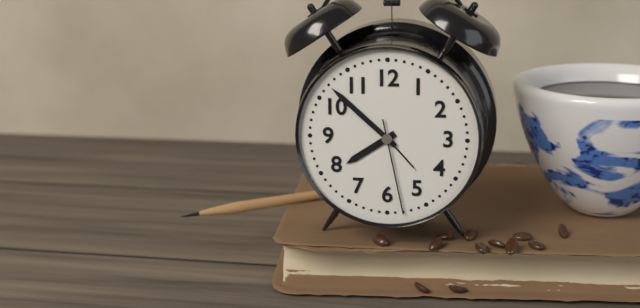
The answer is 7.52.28
